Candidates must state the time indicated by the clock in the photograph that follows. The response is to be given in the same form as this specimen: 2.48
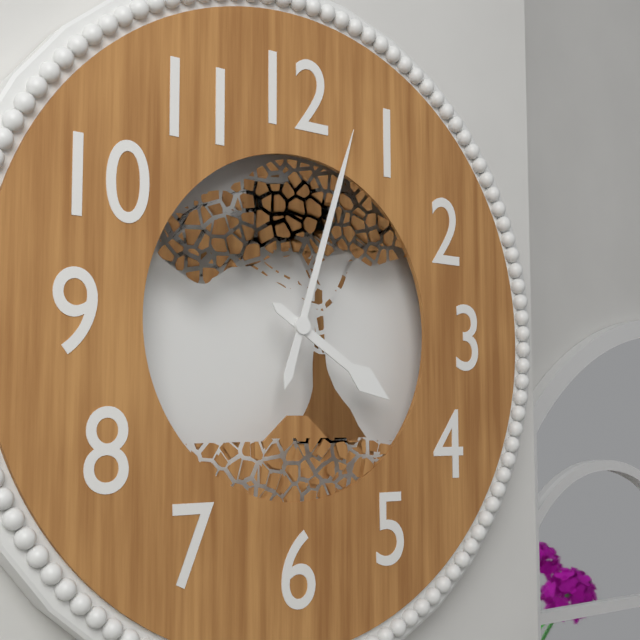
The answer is 4.03
